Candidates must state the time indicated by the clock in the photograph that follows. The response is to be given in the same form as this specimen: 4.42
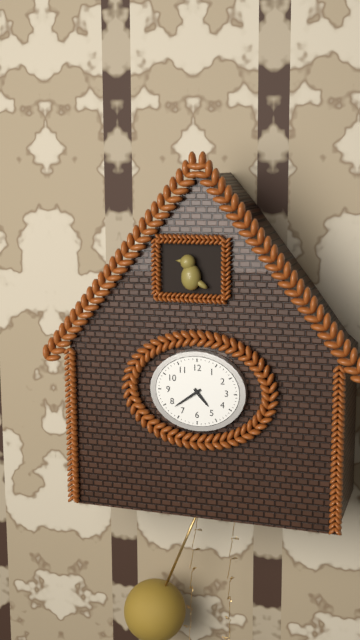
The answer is 4.39
